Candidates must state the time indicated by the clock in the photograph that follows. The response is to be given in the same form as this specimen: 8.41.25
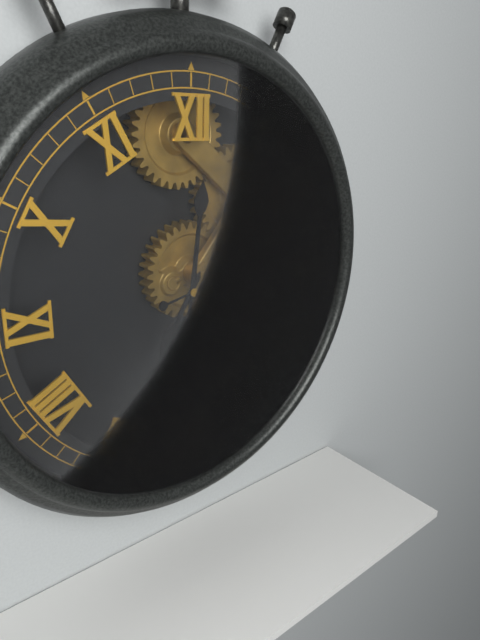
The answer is 7.01.13
